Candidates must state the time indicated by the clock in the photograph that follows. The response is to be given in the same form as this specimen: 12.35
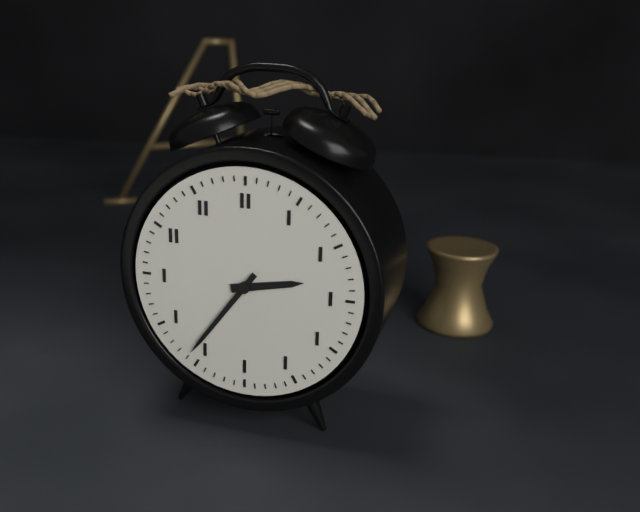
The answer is 2.36
